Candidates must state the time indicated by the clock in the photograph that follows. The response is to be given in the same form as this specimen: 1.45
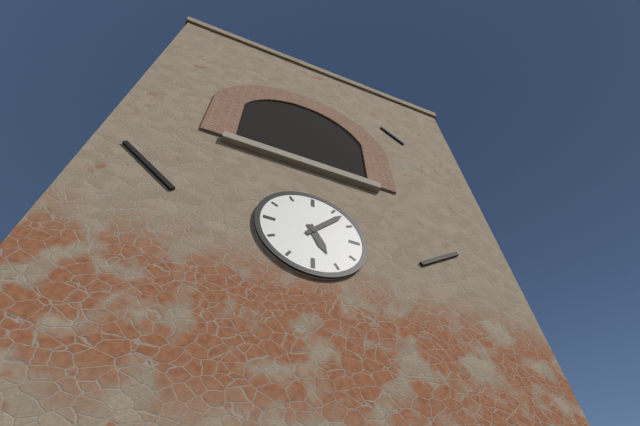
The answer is 5.07
